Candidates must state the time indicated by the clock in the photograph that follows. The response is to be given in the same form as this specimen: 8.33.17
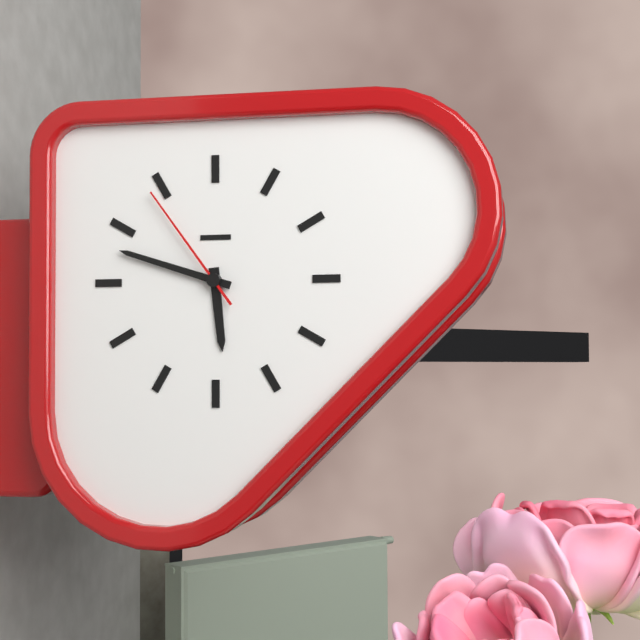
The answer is 5.48.54
